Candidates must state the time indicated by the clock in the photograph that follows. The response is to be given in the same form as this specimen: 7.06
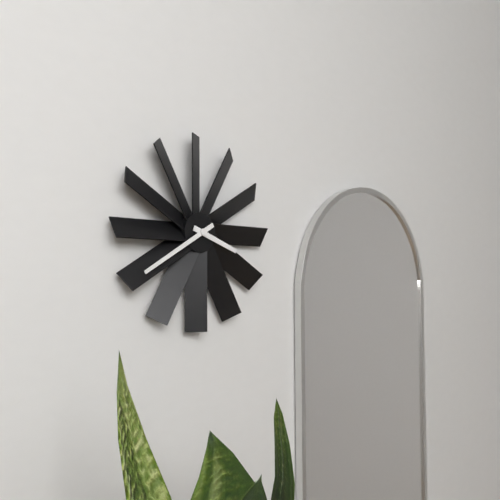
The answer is 3.40
